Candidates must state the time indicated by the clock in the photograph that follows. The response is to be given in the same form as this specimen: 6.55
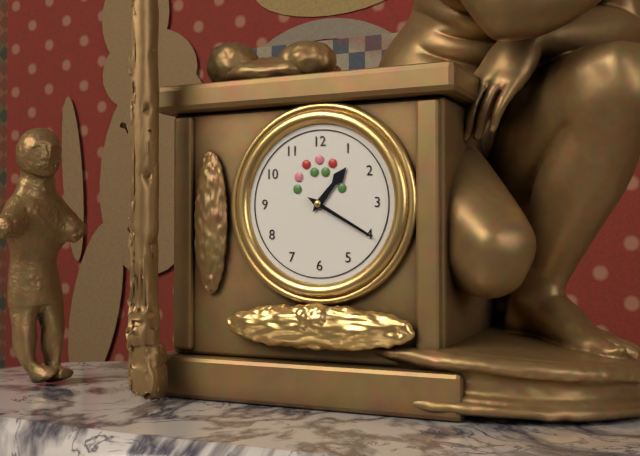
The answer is 1.20
